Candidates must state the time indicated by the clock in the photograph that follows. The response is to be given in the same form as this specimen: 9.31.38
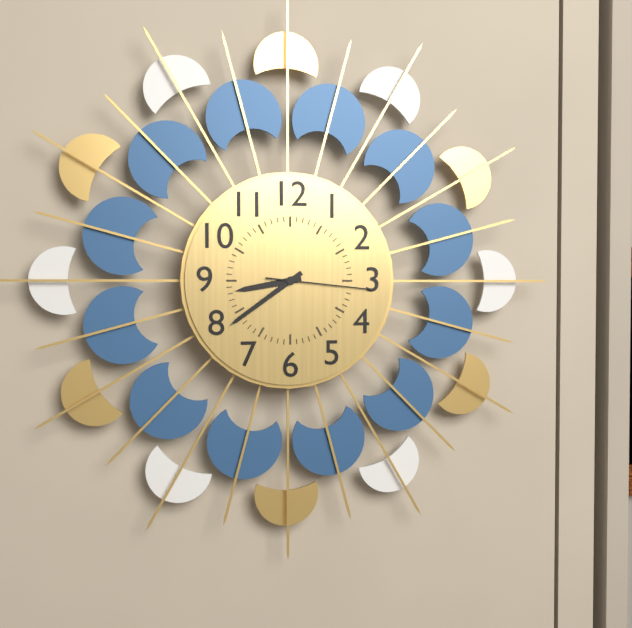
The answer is 8.39.16
